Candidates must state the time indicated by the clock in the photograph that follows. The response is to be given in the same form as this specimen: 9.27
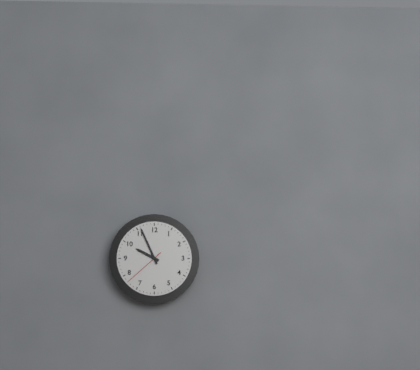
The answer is 9.56
